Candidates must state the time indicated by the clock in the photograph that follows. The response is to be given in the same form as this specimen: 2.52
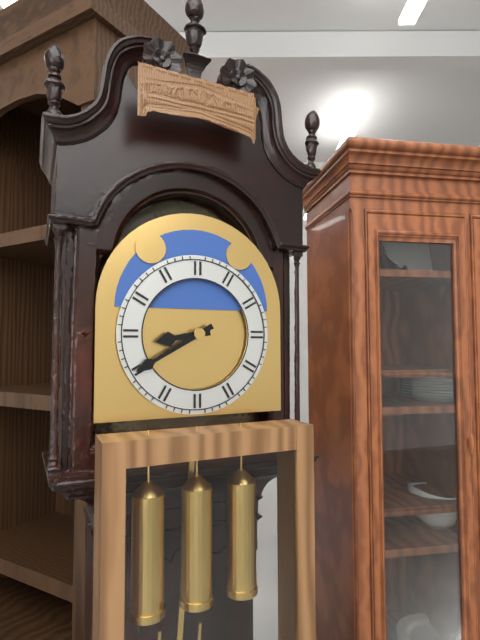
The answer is 8.40
